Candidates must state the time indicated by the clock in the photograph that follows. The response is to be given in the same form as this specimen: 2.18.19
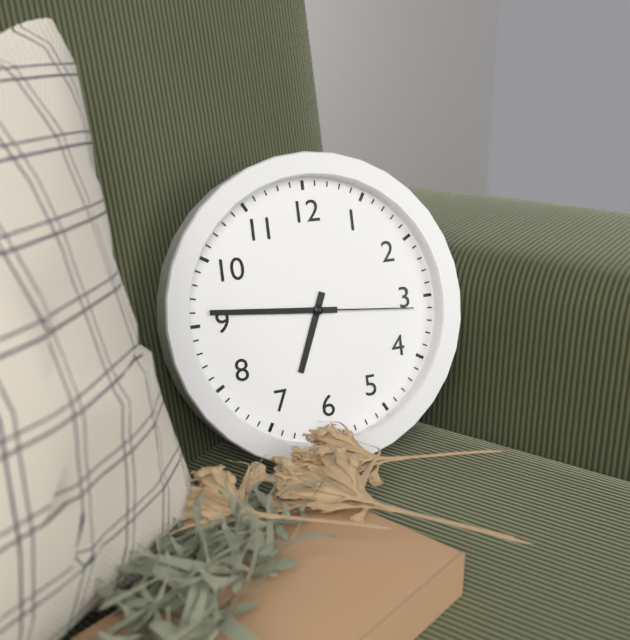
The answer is 6.46.16
